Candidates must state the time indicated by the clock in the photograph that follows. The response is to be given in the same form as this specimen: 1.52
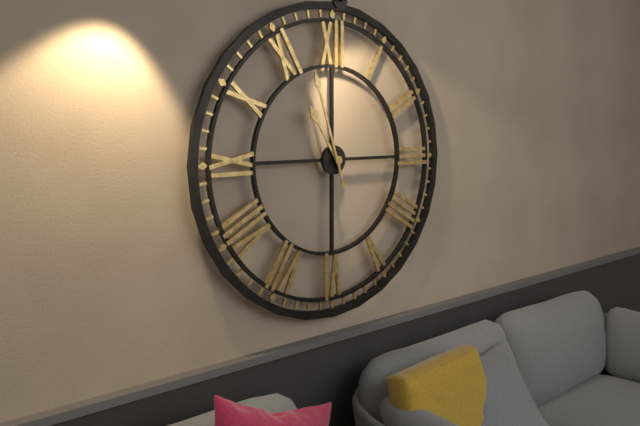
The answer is 10.57
